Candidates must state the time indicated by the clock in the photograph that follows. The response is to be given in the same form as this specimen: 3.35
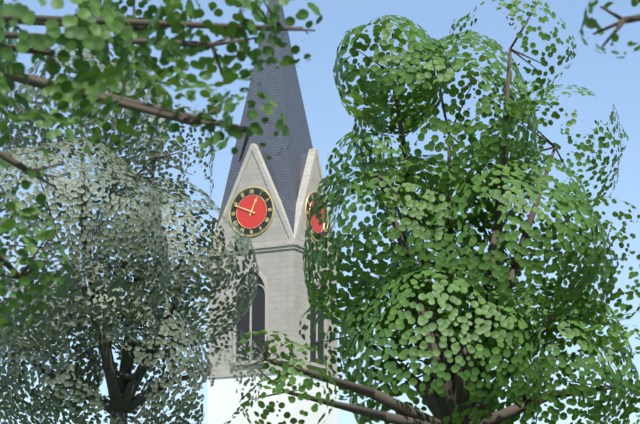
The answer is 12.49
